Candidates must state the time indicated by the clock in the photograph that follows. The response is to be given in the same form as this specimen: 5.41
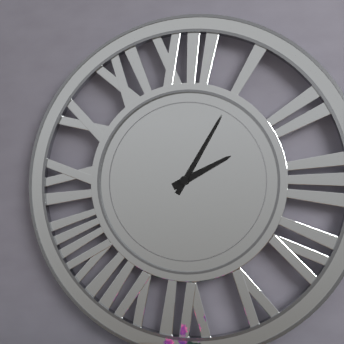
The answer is 2.05
